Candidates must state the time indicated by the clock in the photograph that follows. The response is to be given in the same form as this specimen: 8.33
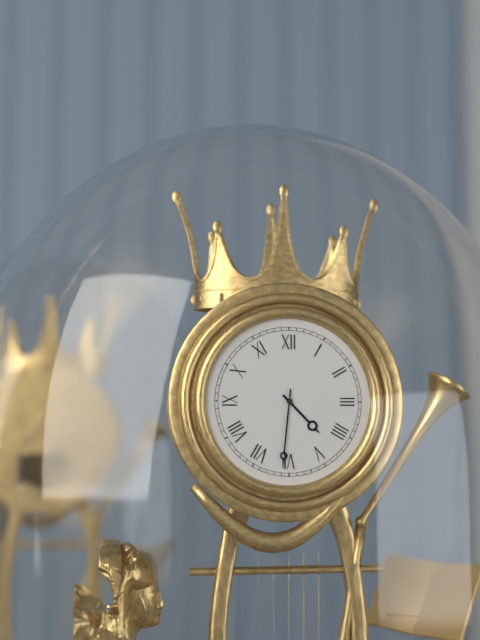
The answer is 4.31
